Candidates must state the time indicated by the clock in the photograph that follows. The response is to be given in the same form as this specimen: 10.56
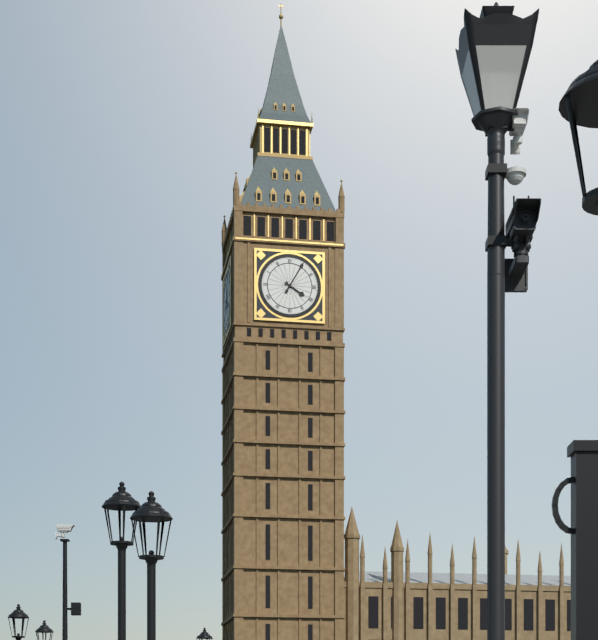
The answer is 4.05
